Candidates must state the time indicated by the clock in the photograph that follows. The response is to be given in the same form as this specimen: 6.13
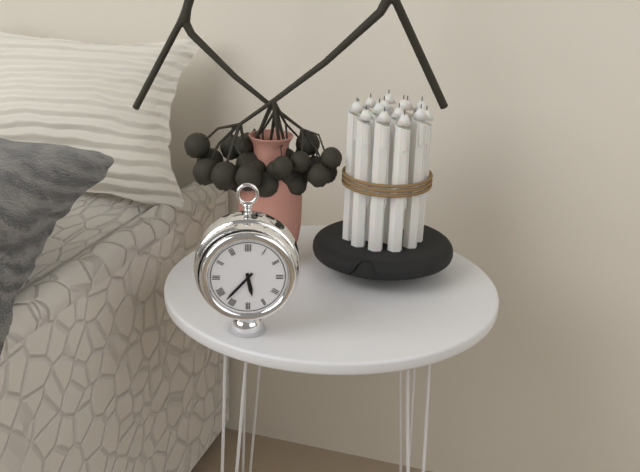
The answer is 5.37
